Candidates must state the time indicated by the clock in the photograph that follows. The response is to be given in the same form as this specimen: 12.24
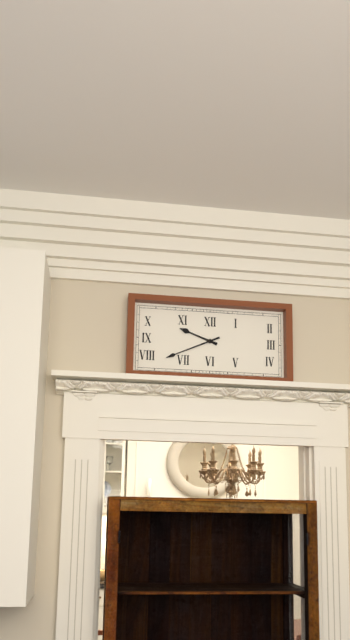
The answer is 9.41
